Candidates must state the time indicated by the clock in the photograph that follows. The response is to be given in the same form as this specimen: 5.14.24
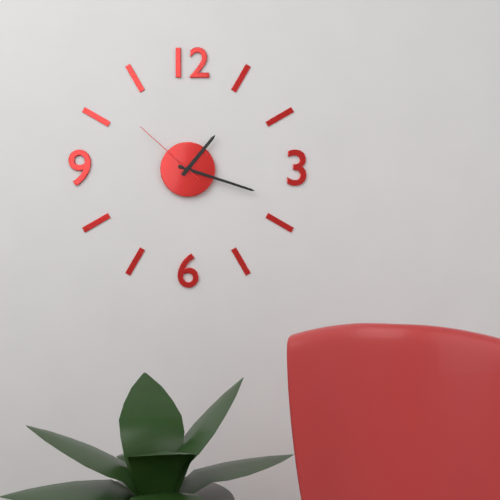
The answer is 1.18.52
